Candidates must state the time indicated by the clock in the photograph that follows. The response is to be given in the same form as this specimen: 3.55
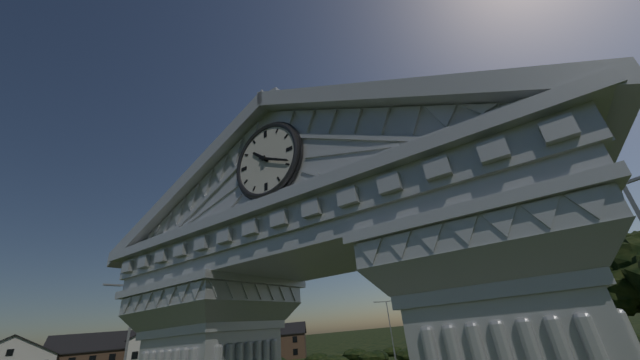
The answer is 10.19
